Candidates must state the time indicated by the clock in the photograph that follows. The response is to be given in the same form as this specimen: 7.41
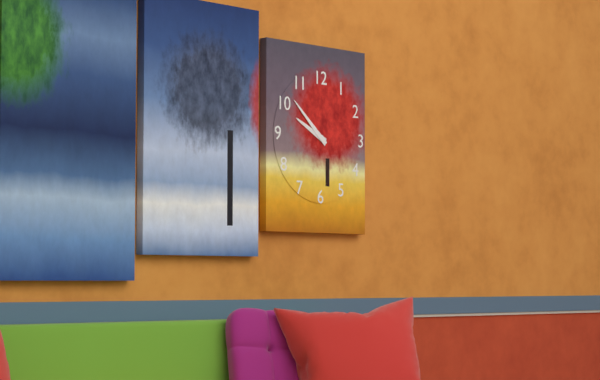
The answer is 9.52
